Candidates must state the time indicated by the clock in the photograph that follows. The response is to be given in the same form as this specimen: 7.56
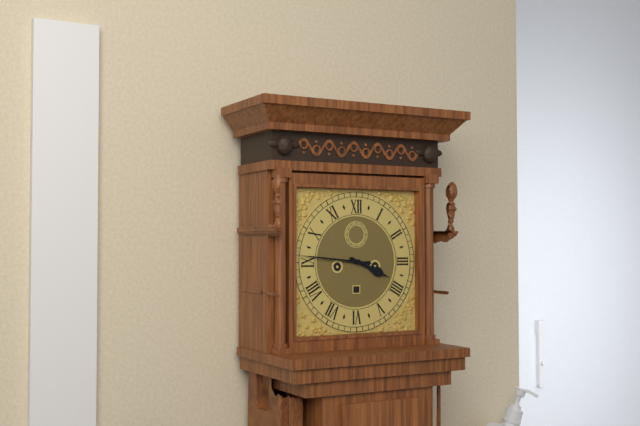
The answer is 3.46
